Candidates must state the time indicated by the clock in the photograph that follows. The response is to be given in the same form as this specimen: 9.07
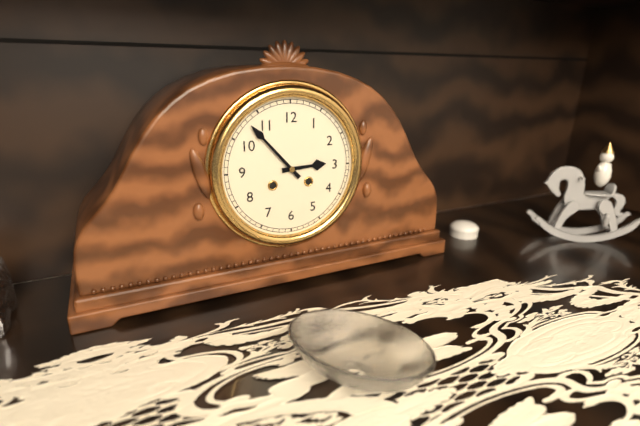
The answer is 2.53
